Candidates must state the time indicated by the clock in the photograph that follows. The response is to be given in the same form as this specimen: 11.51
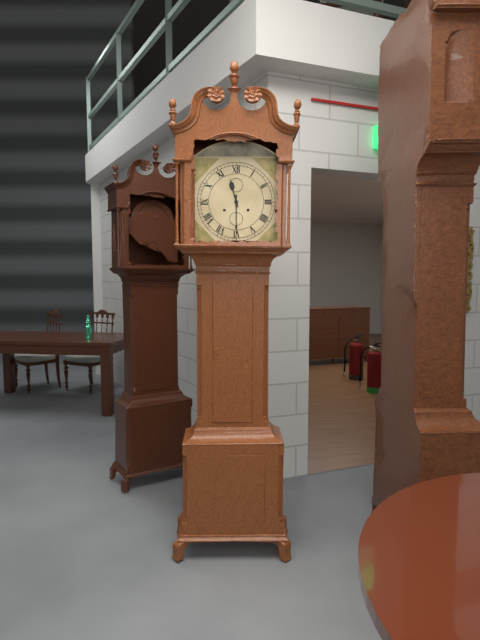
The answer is 11.30
